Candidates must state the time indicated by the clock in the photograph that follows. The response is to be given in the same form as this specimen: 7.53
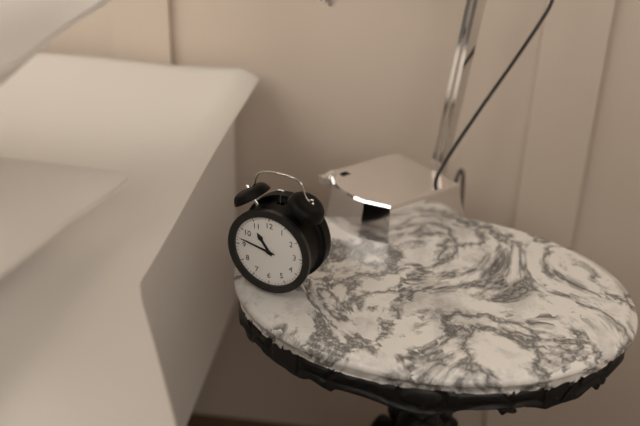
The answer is 10.47
